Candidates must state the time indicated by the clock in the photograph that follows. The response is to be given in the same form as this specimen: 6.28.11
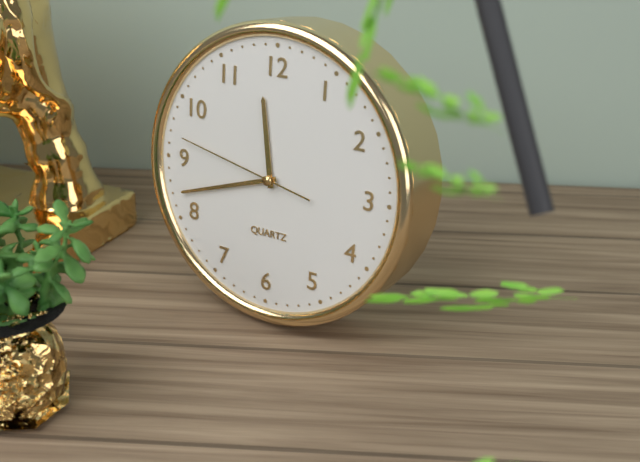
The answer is 11.42.47
